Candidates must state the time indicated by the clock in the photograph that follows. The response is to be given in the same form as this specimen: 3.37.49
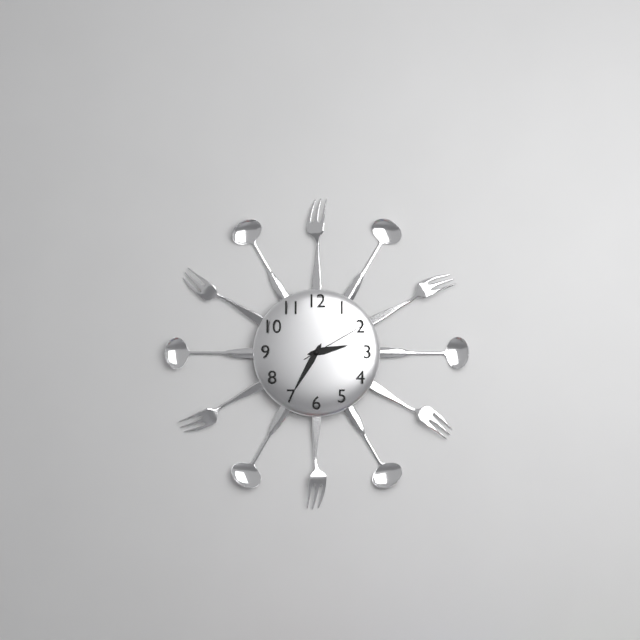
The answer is 2.35.10
